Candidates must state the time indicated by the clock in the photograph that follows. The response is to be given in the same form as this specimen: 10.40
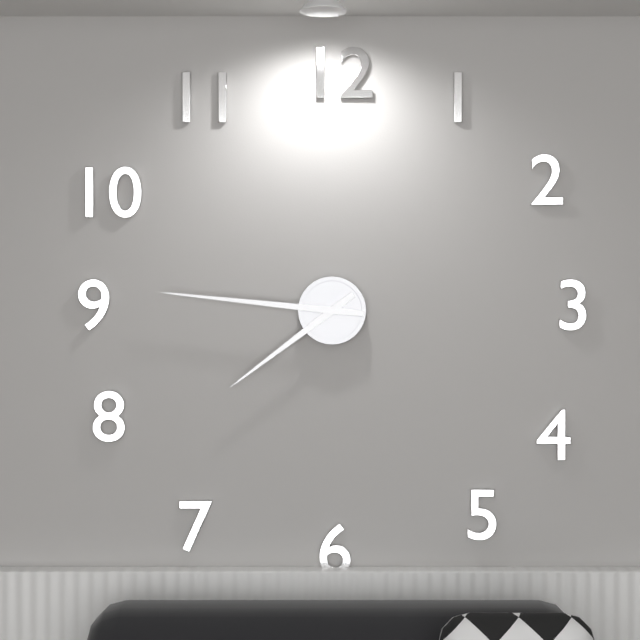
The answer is 7.46
